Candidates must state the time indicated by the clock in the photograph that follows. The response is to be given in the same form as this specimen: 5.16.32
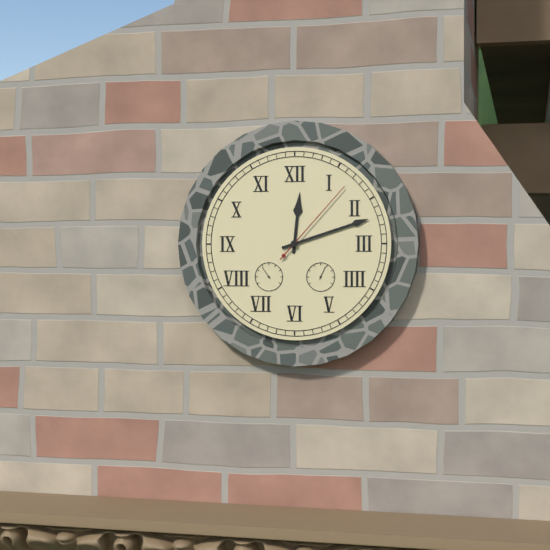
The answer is 12.12.07
